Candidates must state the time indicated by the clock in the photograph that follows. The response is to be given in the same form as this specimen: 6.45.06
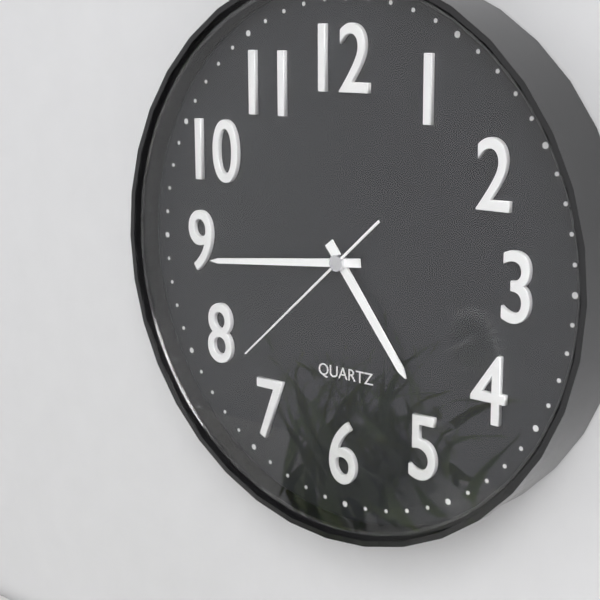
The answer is 4.44.38
